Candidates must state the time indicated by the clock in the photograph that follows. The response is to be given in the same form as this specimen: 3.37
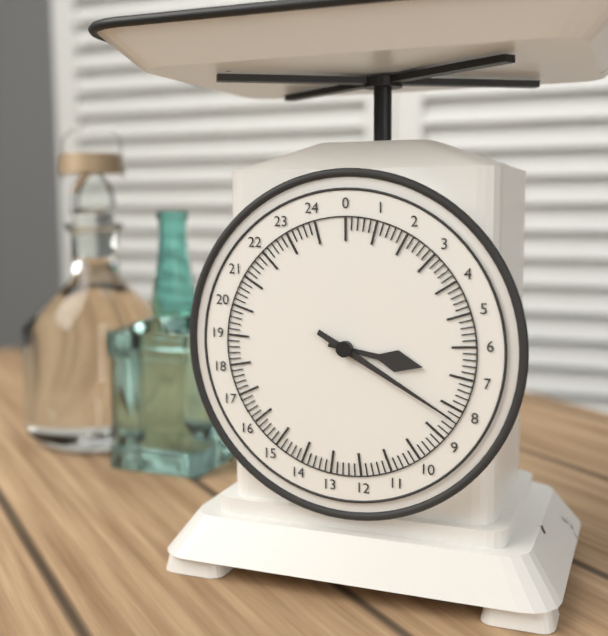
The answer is 3.20
